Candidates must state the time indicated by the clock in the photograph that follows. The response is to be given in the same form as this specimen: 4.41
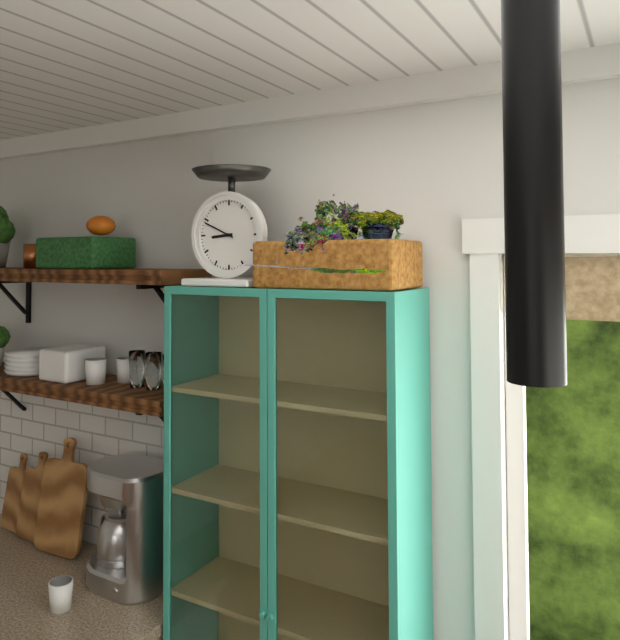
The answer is 8.49
